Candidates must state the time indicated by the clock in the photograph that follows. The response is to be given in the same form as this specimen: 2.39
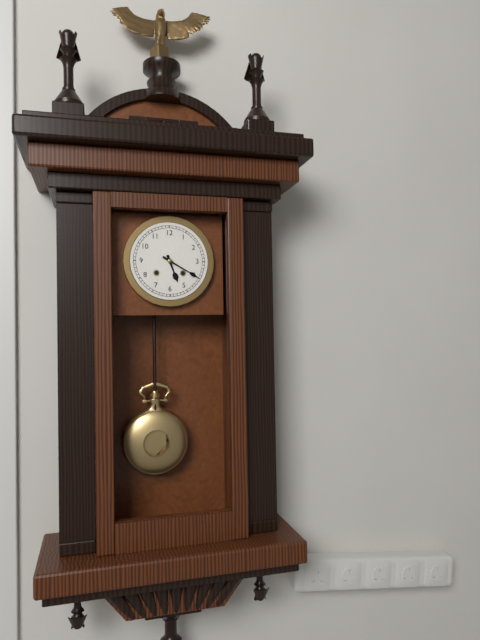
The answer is 5.20
